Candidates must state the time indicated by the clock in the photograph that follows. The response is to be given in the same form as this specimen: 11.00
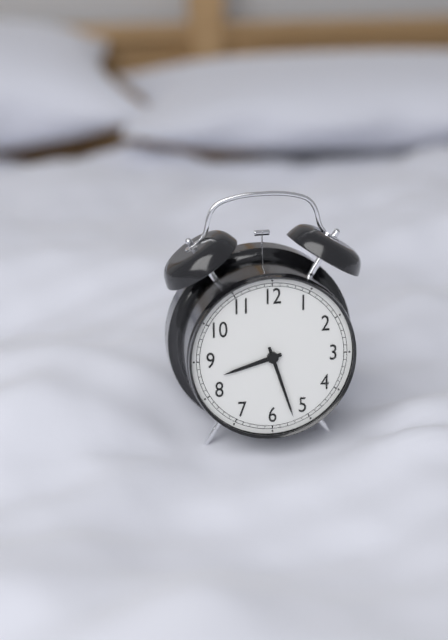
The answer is 8.27
